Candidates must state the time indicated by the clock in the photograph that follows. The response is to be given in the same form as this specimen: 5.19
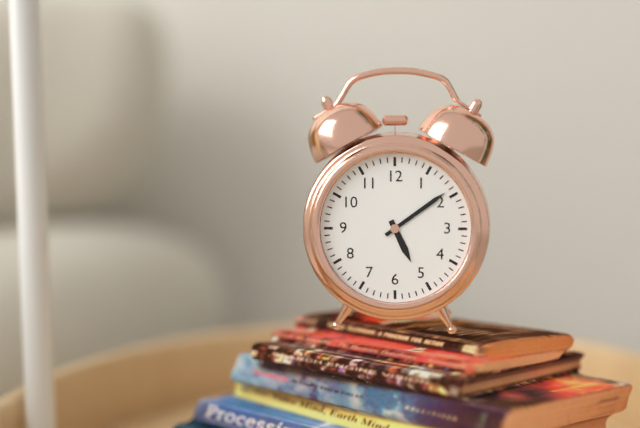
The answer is 5.09
